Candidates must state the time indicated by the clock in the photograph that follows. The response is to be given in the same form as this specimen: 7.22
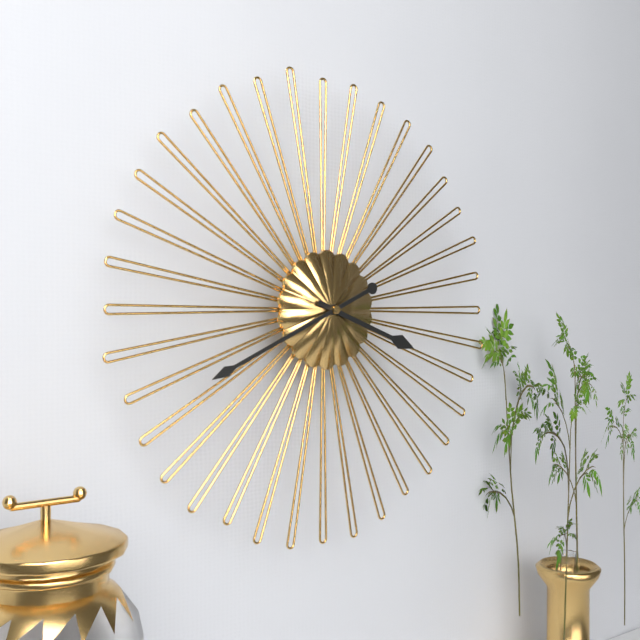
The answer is 3.41
